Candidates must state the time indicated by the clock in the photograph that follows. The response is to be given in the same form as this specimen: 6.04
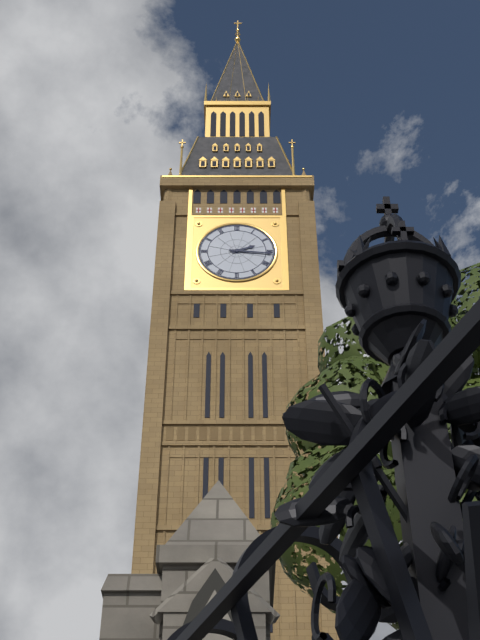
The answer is 2.16
